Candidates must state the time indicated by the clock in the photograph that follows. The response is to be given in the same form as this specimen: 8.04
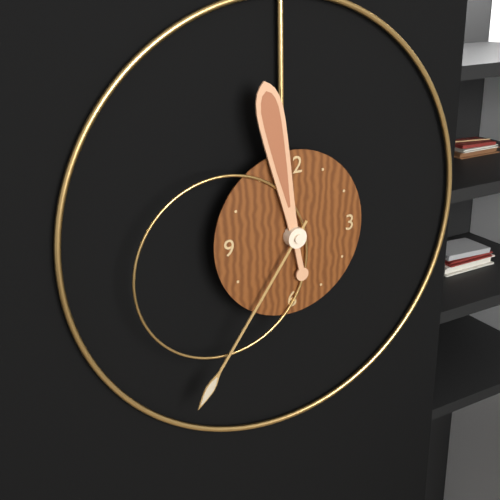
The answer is 11.36
